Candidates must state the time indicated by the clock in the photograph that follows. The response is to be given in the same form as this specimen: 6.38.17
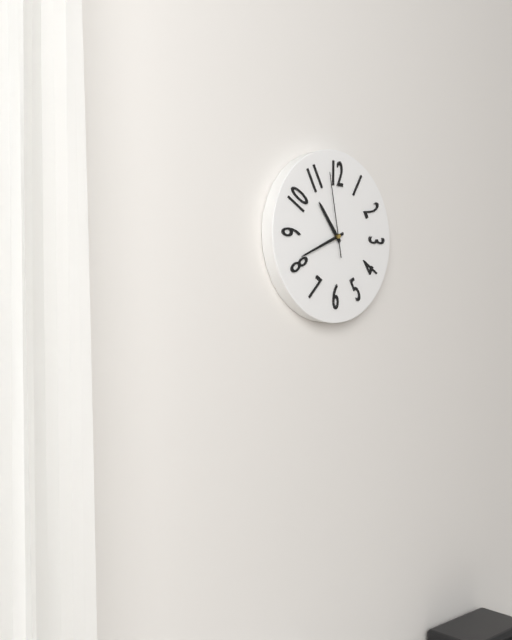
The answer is 10.41.58
